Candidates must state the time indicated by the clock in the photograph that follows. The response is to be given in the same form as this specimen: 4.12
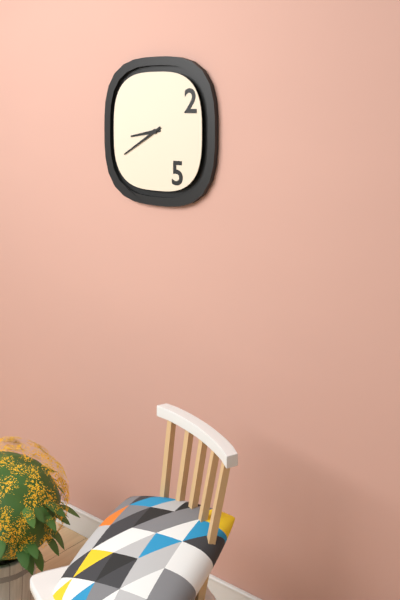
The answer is 8.40
